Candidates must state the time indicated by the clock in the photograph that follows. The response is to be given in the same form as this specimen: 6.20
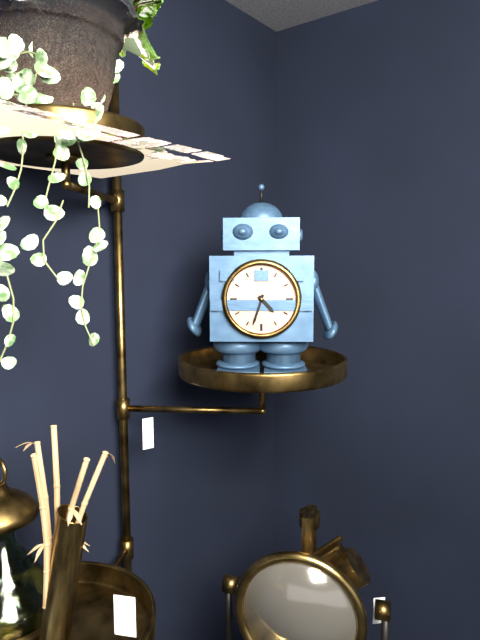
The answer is 4.33
